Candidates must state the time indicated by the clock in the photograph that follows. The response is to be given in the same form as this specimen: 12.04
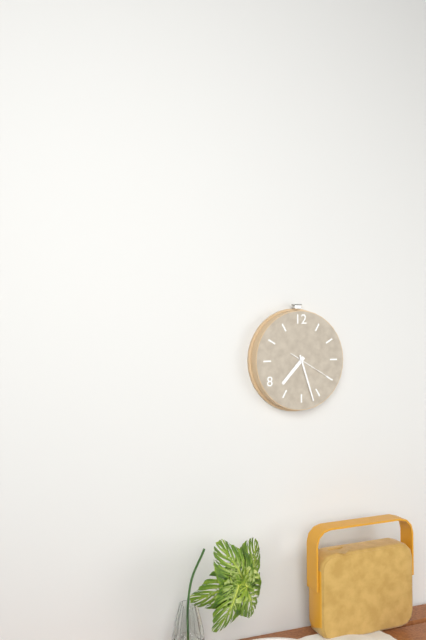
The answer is 7.27
